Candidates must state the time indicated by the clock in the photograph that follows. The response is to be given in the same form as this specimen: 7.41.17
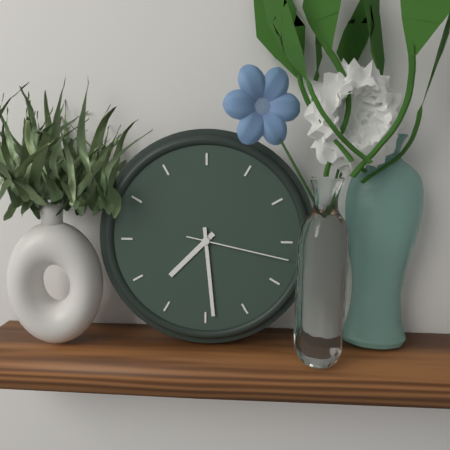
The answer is 7.29.17
